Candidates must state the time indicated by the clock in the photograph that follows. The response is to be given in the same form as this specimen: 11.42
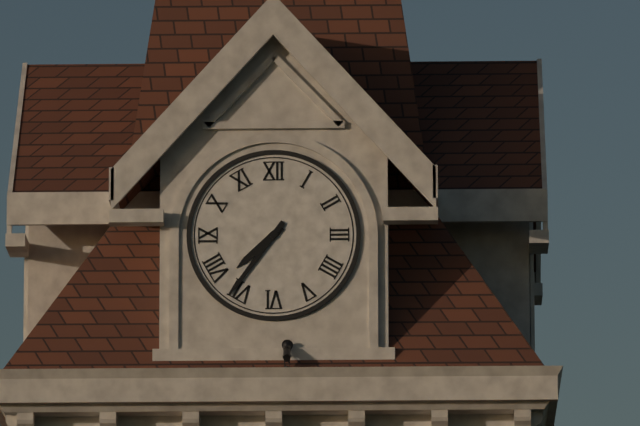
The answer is 7.36
